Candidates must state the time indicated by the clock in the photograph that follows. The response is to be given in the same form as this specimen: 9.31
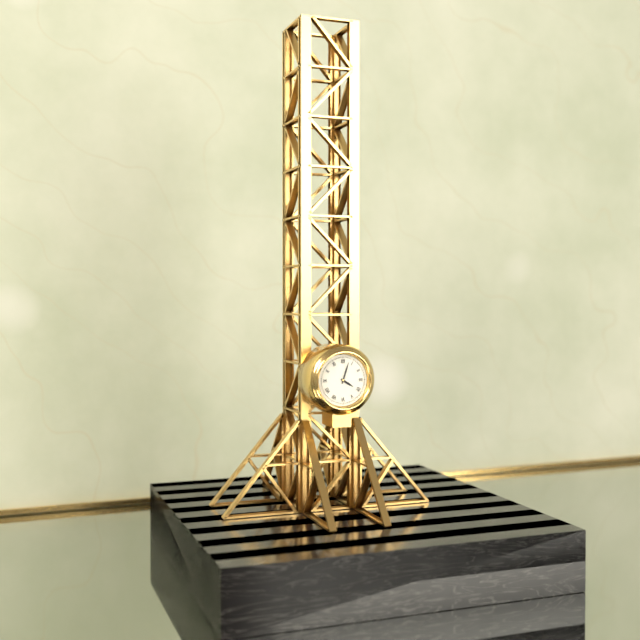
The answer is 4.03
